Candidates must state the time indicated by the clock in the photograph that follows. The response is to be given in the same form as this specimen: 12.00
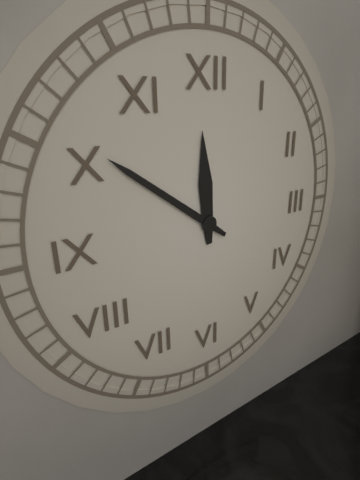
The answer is 11.51
